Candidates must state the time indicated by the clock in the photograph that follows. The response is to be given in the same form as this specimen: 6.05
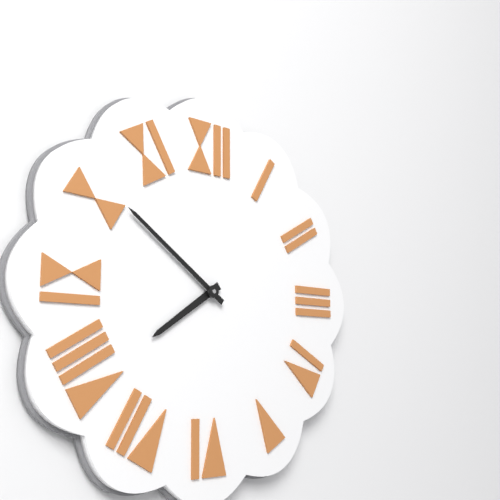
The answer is 7.51
